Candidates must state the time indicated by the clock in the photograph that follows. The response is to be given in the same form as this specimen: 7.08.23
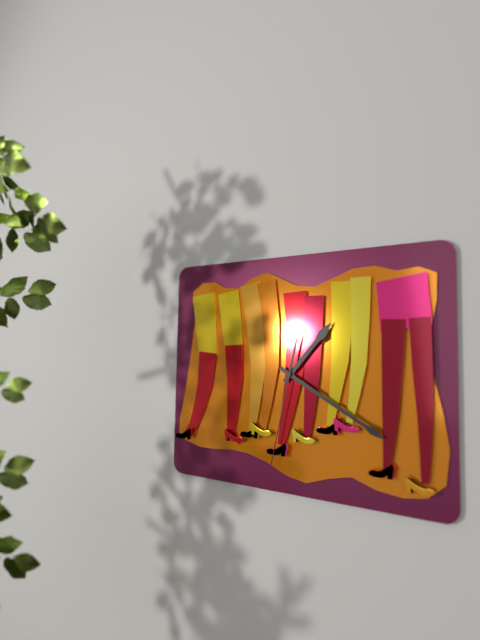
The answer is 1.20.32
